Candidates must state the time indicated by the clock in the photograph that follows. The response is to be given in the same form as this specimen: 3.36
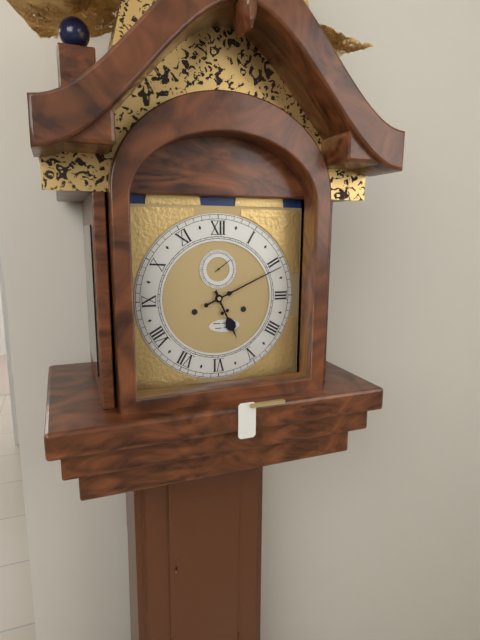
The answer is 5.11
